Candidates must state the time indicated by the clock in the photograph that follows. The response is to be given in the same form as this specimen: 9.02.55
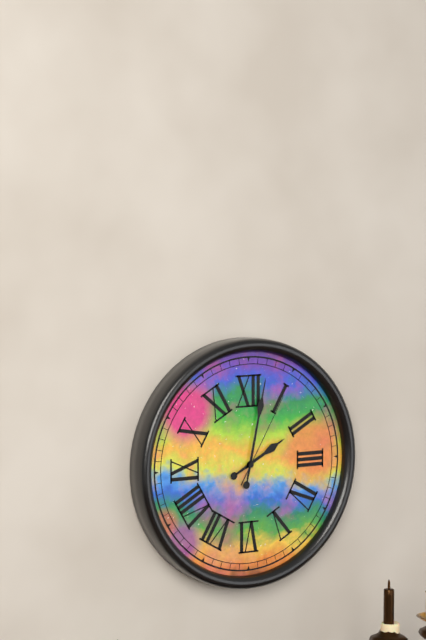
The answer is 2.02.05
